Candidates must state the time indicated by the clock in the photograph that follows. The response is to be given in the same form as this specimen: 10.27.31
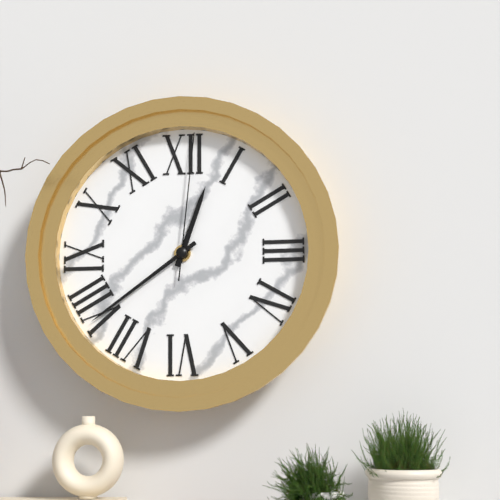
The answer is 12.39.01
